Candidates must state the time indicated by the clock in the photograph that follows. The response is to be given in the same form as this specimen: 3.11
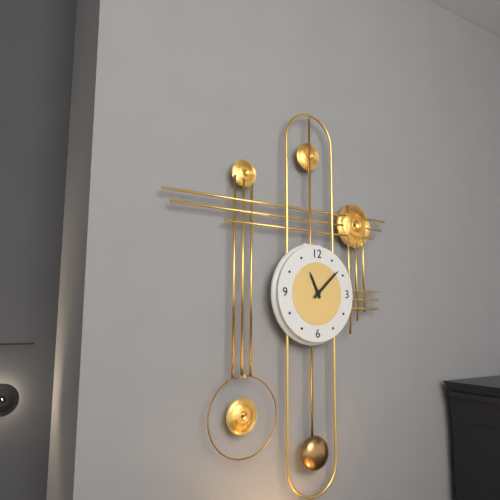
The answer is 11.08
